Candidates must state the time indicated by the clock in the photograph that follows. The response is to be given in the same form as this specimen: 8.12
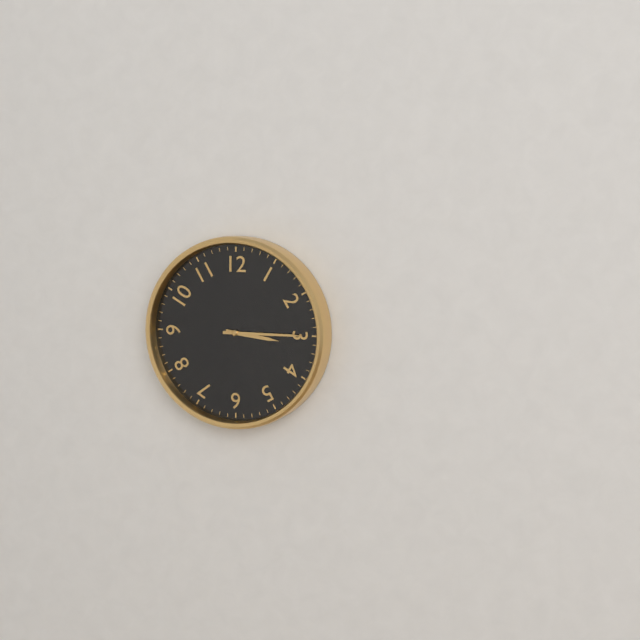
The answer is 3.15
